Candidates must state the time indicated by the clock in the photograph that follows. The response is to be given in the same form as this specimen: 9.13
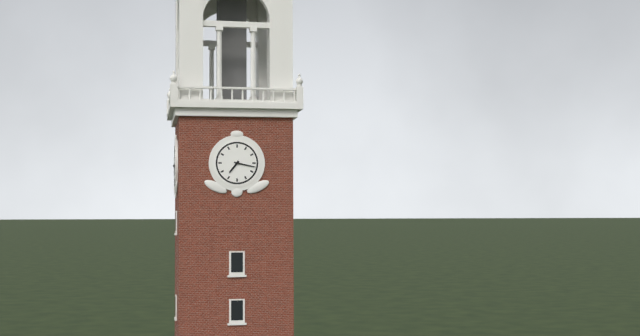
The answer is 7.17
